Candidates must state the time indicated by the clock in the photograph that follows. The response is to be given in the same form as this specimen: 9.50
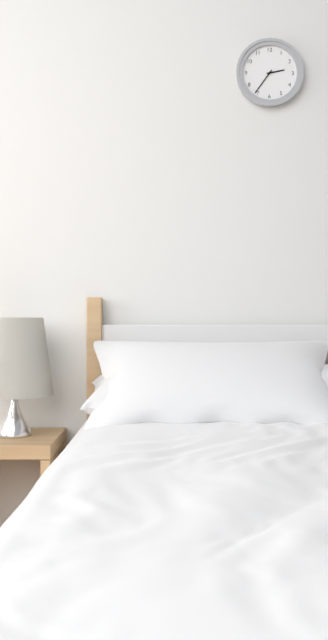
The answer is 2.36
